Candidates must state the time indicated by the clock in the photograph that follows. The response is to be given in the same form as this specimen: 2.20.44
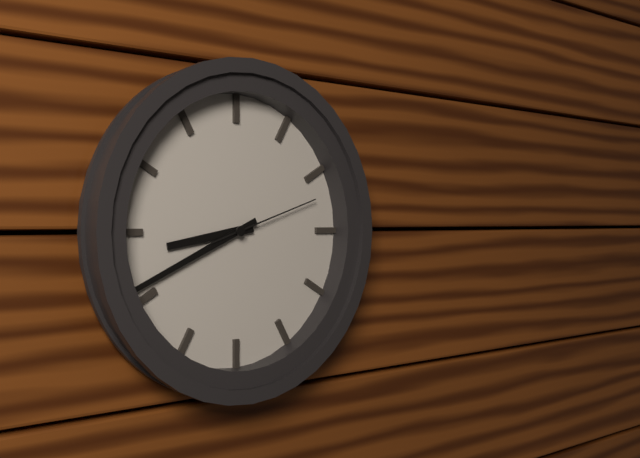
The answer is 8.41.12
